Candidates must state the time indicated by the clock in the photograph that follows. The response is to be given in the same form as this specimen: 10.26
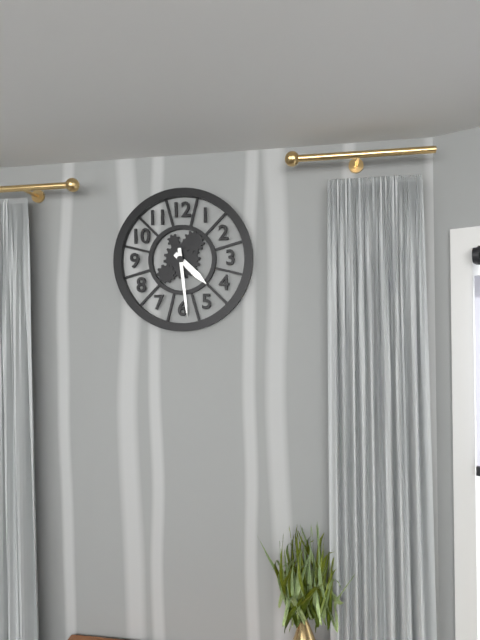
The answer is 4.29
